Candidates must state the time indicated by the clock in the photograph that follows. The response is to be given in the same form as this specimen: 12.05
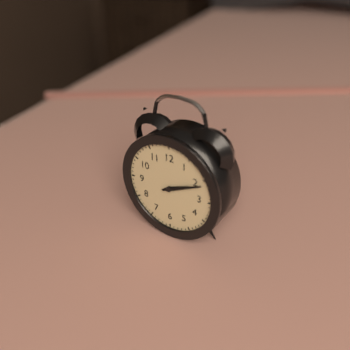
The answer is 2.11
